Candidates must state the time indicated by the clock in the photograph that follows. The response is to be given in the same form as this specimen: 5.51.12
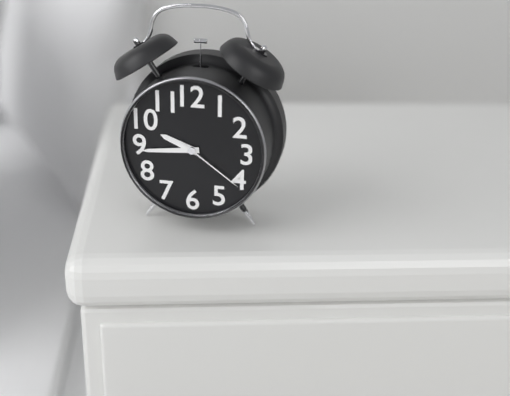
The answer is 9.44.21
